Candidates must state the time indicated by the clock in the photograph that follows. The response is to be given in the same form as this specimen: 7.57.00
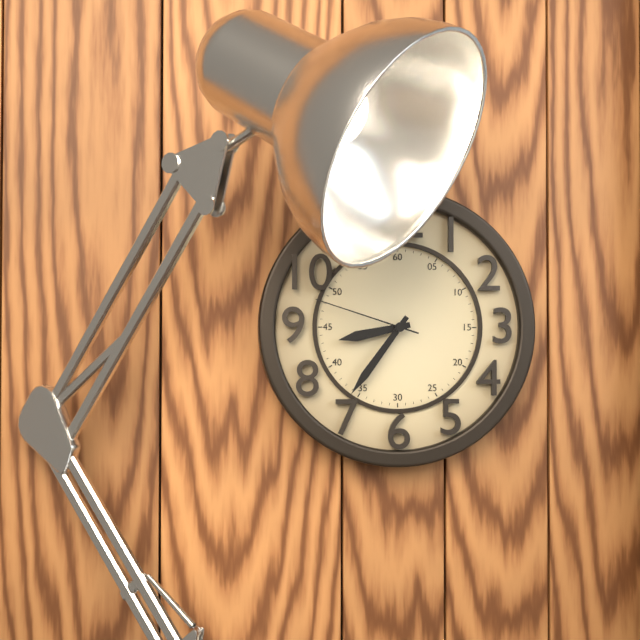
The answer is 8.36.48
